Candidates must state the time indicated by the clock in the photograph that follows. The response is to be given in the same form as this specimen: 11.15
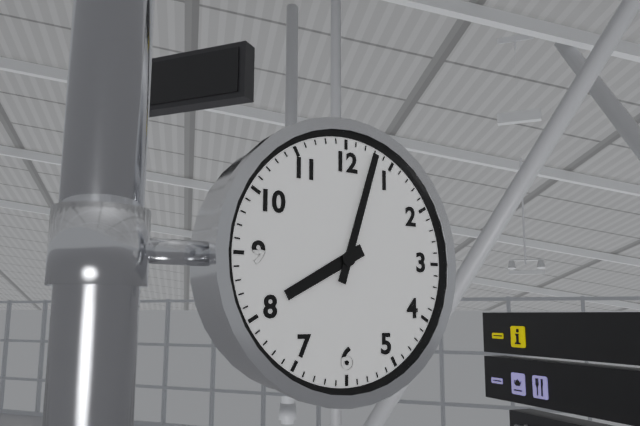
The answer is 8.03
